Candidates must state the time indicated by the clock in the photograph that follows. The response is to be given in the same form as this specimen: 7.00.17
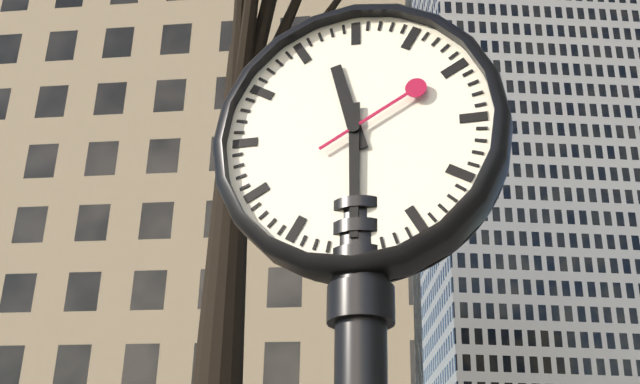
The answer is 11.30.10
